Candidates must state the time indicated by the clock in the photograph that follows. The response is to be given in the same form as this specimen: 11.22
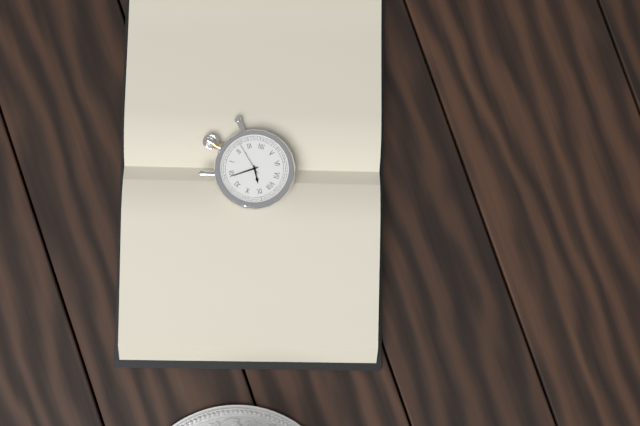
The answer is 8.59
